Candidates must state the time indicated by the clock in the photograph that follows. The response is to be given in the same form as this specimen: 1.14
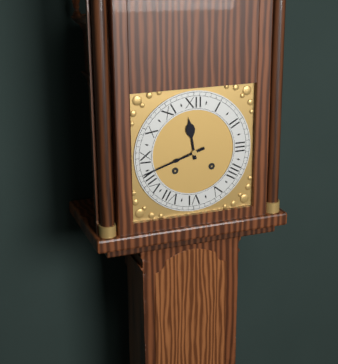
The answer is 11.42
